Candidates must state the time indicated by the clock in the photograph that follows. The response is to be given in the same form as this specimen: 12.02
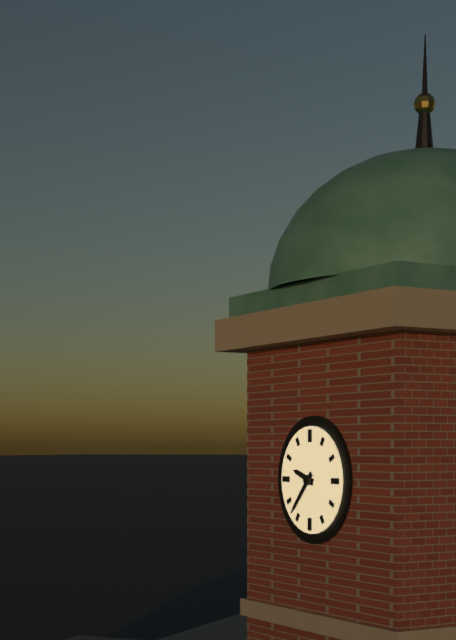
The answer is 9.37
